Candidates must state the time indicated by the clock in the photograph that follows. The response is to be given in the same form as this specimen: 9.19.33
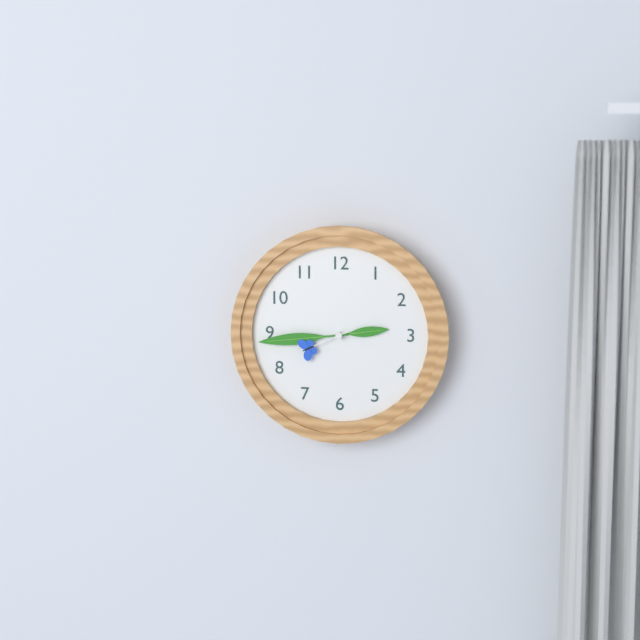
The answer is 2.44.41
